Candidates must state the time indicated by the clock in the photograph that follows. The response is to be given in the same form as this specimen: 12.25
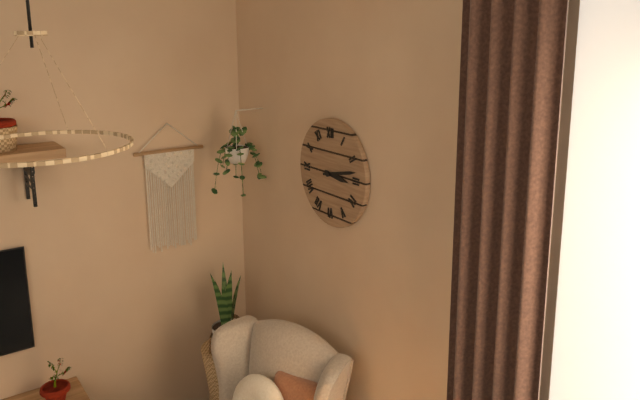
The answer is 3.13
